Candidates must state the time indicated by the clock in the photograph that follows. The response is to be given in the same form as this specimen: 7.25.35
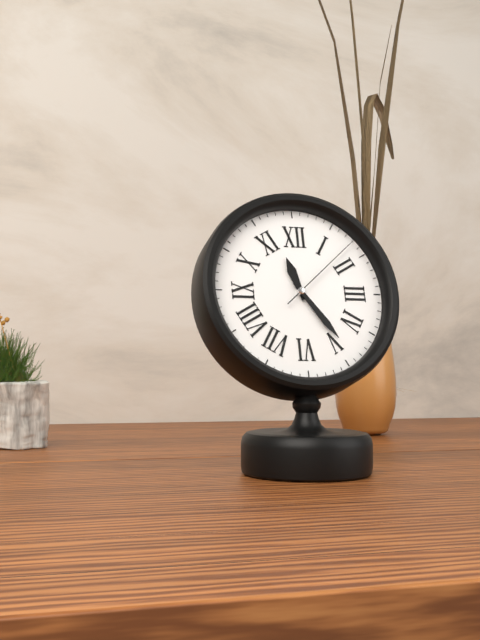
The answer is 11.24.08
